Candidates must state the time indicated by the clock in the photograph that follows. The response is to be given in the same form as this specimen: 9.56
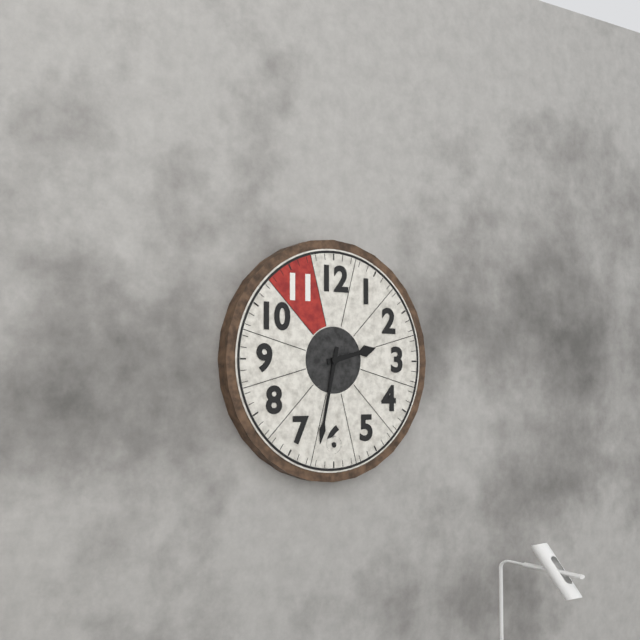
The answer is 2.32
